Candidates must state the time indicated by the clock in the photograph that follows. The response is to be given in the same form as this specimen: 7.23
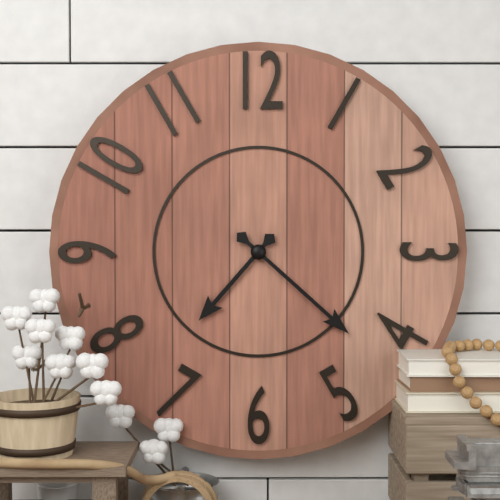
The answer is 7.22
